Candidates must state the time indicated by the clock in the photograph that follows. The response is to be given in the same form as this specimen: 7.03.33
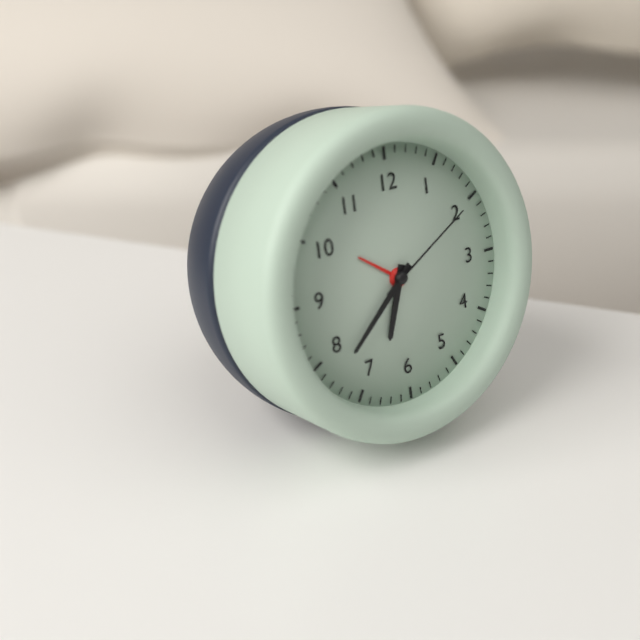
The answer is 6.38.10
